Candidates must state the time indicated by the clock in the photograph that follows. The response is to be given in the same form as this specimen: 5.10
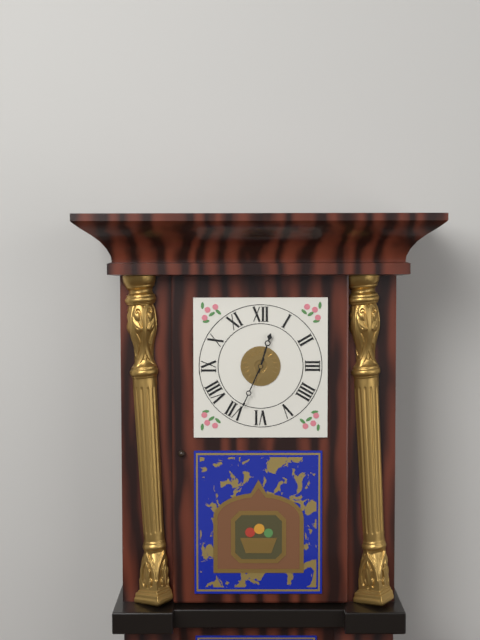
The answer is 12.34
